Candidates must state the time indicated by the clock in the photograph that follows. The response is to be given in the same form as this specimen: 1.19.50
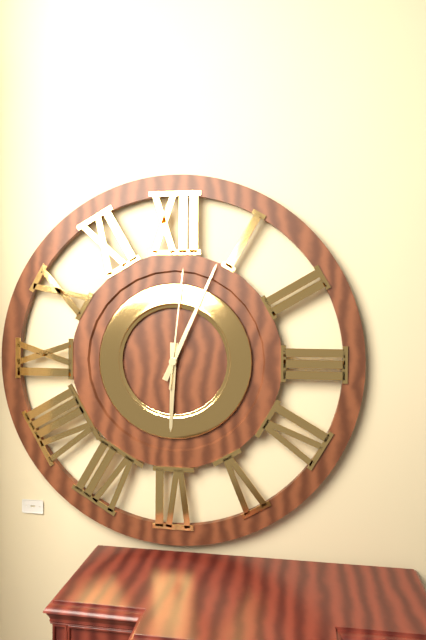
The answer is 6.04.01
